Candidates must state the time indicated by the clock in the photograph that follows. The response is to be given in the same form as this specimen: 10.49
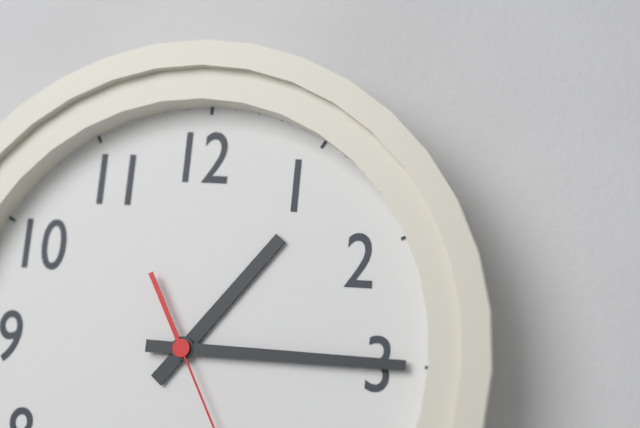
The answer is 1.15
